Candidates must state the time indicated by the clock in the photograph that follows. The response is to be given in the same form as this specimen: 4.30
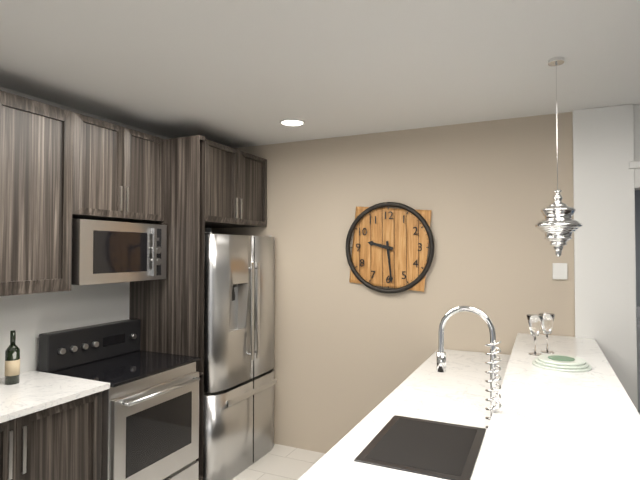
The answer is 9.29
